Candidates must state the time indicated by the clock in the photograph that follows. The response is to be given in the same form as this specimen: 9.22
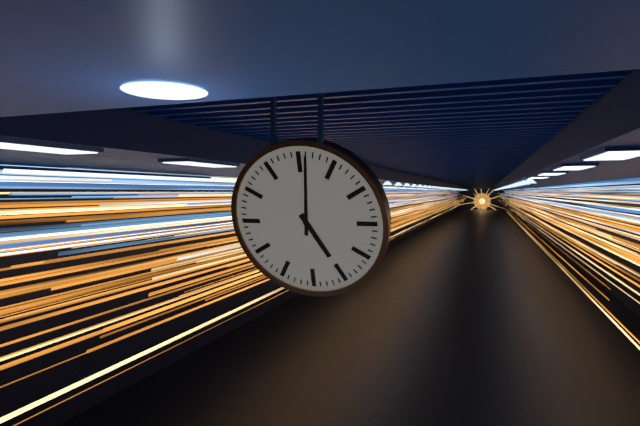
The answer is 5.01
